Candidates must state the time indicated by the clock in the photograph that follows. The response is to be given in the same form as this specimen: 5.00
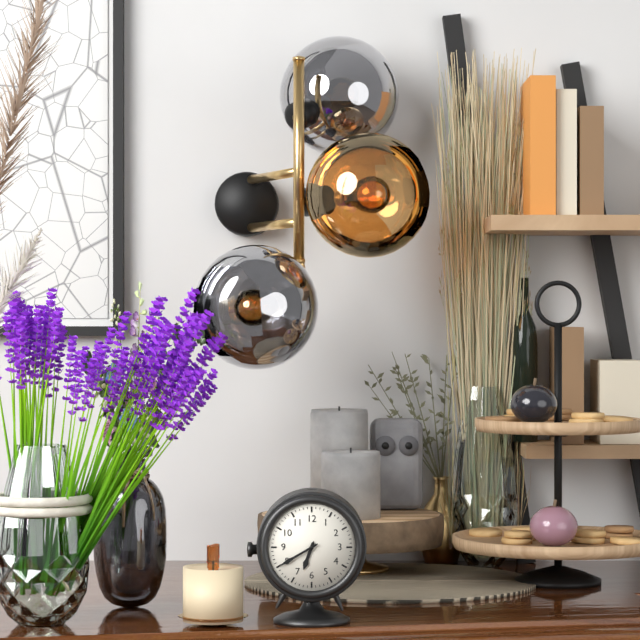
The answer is 6.40
